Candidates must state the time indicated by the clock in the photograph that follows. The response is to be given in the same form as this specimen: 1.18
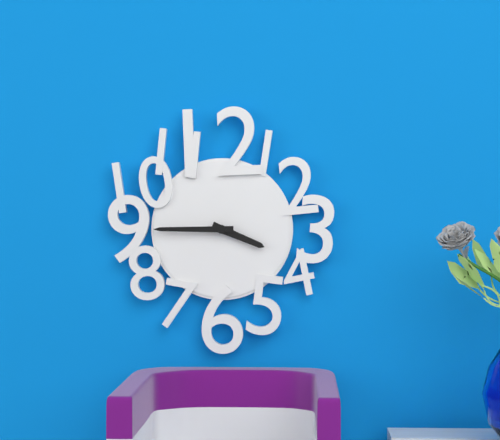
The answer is 3.45
